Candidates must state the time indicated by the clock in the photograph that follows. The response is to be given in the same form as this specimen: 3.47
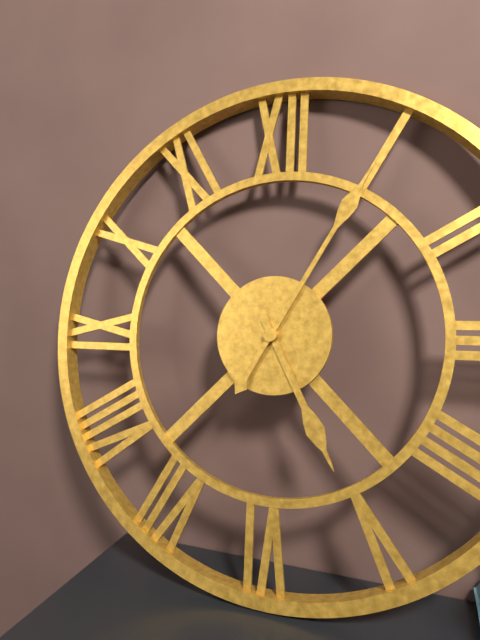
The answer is 5.05
